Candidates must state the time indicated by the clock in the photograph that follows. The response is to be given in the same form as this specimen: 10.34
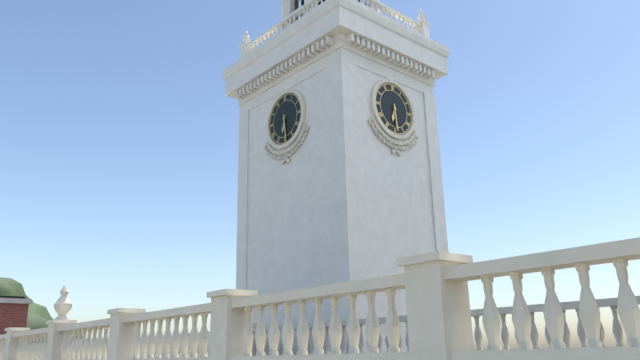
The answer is 6.29
